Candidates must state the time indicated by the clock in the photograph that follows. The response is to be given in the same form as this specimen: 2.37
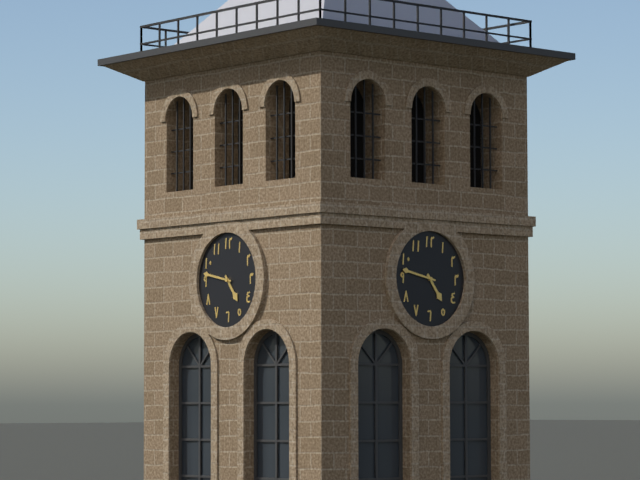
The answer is 4.47
